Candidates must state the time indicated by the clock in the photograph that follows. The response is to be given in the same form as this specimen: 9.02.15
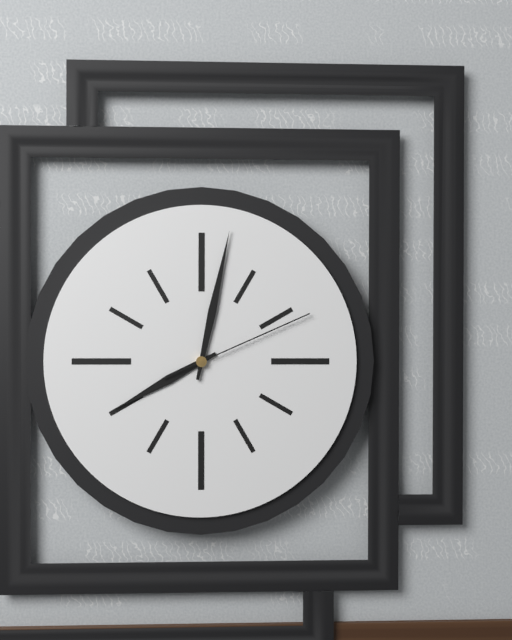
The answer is 8.02.11
